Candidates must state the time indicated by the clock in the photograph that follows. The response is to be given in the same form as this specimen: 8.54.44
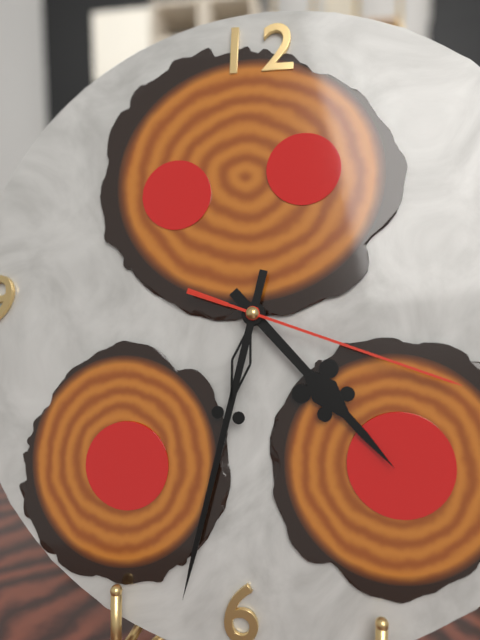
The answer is 4.32.18
